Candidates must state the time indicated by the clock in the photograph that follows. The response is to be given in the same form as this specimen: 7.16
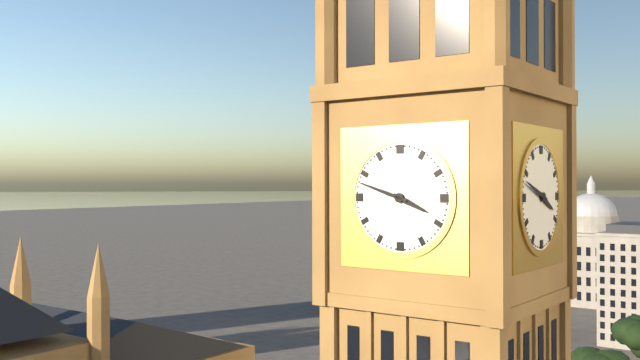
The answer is 3.48
